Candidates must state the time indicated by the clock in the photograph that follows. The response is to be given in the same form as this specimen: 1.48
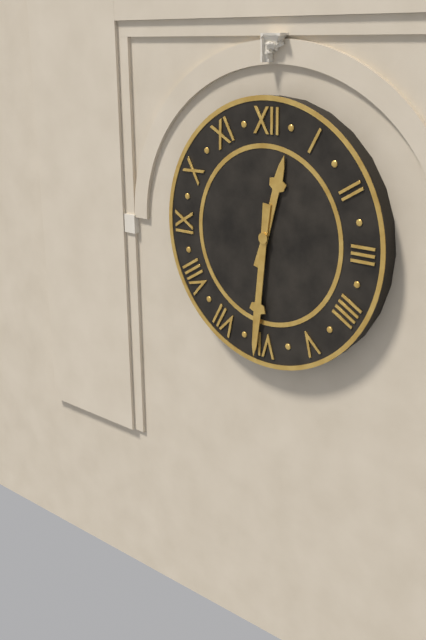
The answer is 12.31
